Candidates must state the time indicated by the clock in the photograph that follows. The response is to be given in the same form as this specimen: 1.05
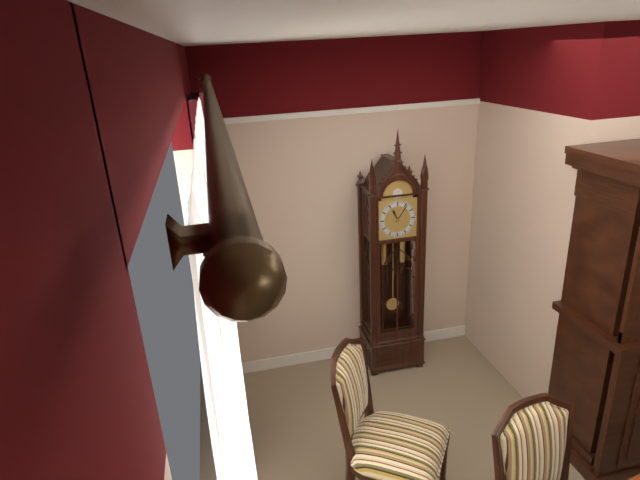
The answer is 11.06
